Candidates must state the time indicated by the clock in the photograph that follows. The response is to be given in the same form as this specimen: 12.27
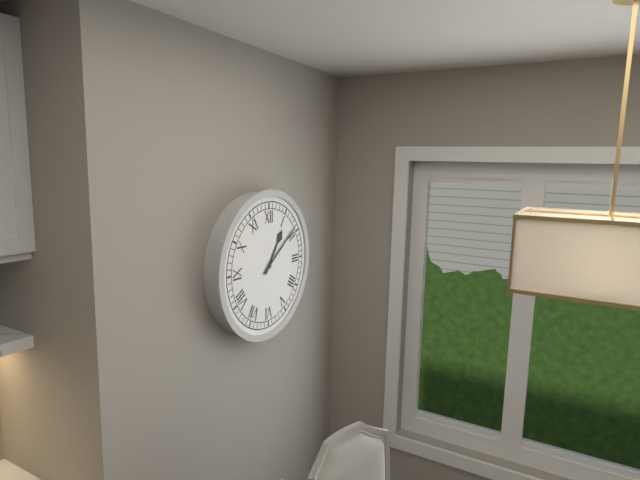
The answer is 1.09
